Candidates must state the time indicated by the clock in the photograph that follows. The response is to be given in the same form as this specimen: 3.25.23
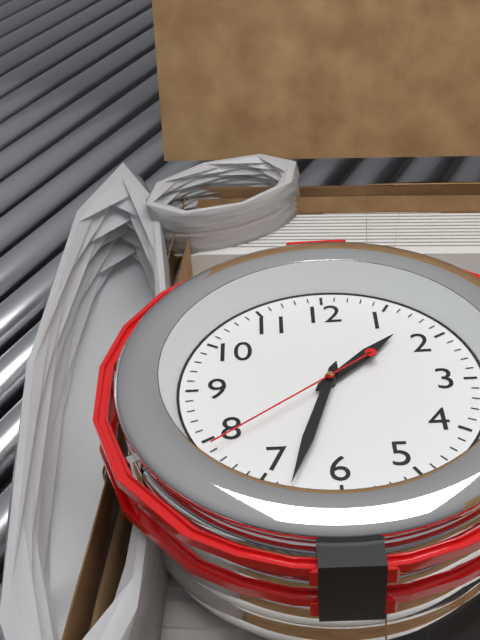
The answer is 1.33.39
